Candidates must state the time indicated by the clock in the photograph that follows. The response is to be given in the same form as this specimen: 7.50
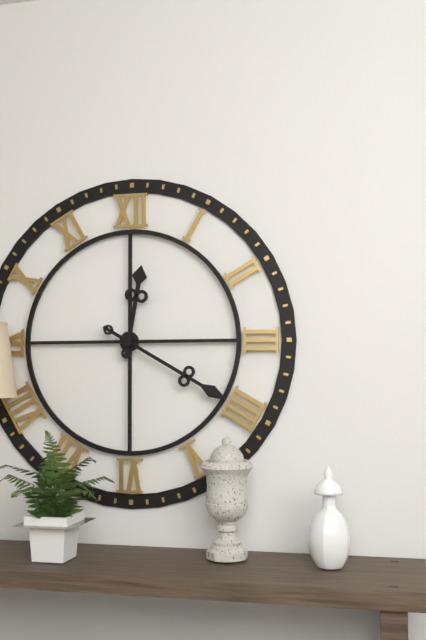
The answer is 12.20
